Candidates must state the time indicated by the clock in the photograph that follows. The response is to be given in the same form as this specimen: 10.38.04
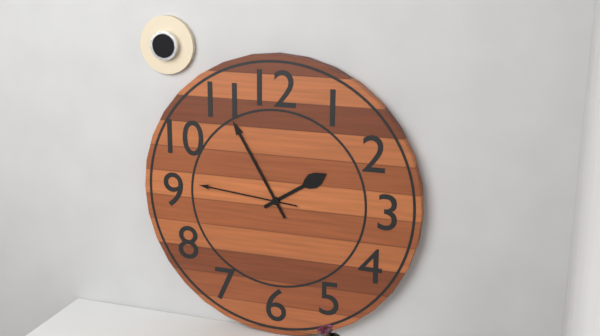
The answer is 1.55.46
